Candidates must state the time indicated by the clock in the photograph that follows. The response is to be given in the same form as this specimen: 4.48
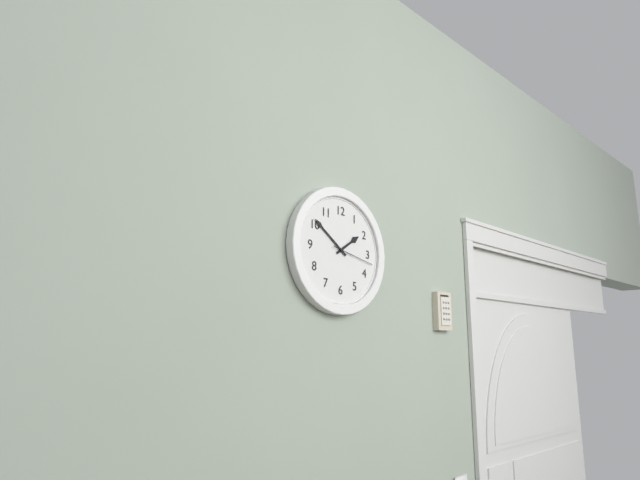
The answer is 1.51
